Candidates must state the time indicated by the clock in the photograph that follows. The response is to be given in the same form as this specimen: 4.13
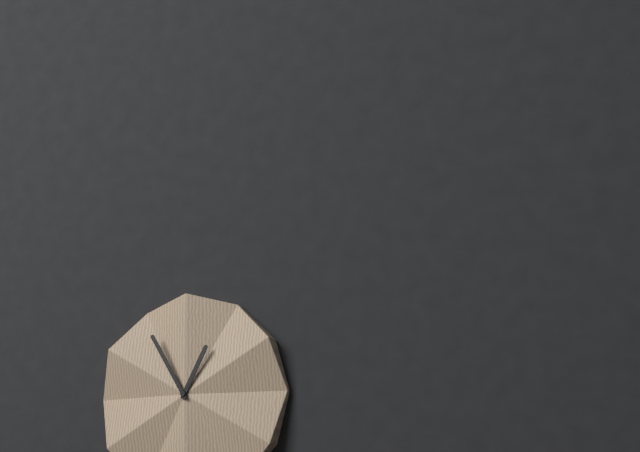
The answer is 12.55
